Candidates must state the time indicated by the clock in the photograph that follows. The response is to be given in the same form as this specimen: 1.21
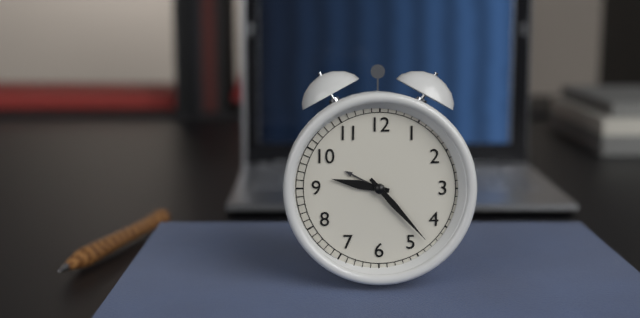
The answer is 9.23
